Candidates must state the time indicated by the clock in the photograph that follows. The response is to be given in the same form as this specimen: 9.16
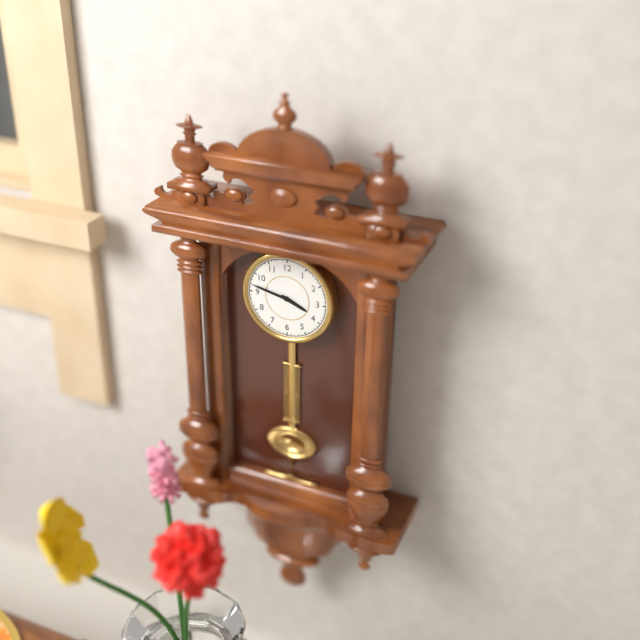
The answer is 3.47
